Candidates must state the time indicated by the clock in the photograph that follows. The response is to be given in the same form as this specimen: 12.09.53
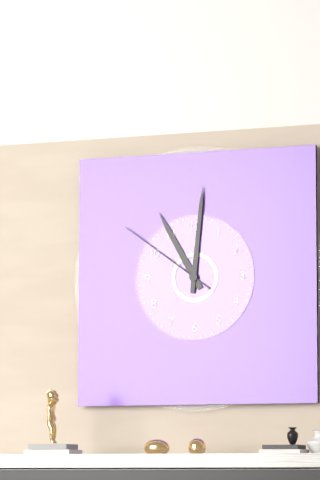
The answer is 11.01.51
